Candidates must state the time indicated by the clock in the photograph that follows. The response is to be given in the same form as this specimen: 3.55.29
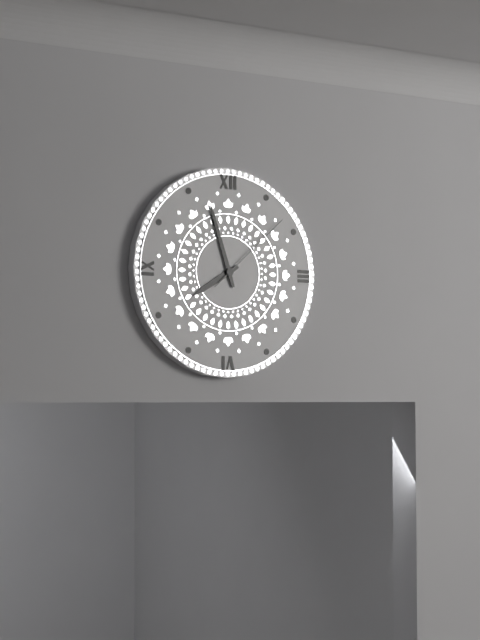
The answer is 7.57.08
